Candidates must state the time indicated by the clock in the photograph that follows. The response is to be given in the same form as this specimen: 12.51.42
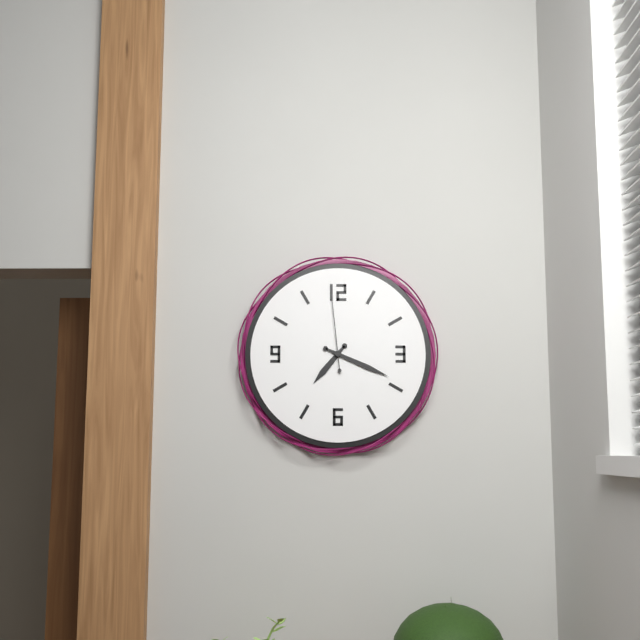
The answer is 7.19.59
